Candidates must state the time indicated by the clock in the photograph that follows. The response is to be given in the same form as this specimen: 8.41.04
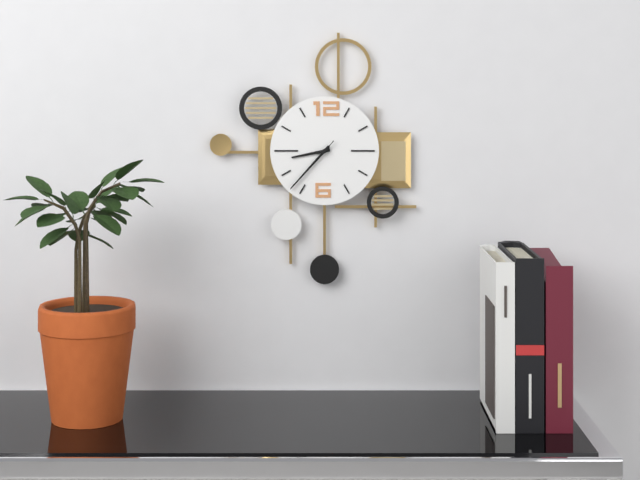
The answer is 8.37.37
